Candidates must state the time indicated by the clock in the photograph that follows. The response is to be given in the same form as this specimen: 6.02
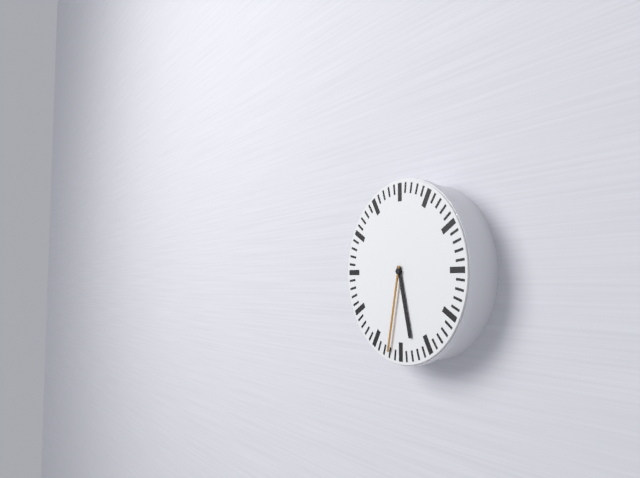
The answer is 5.32
